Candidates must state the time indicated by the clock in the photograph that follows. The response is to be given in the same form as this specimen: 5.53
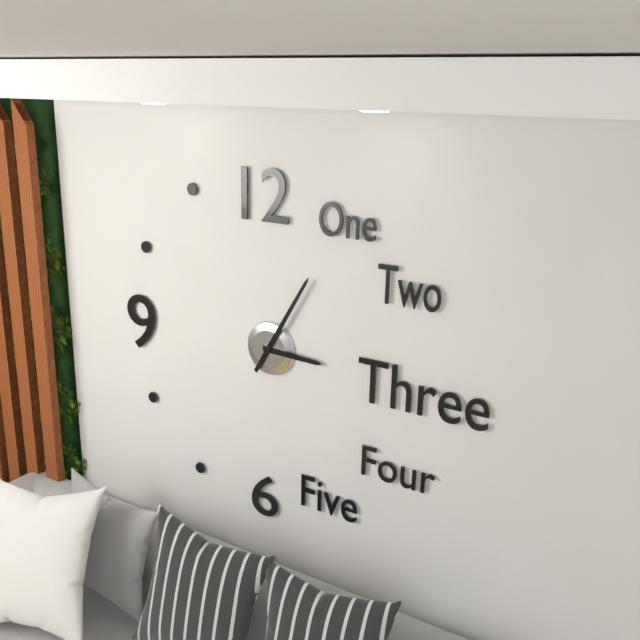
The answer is 3.05
